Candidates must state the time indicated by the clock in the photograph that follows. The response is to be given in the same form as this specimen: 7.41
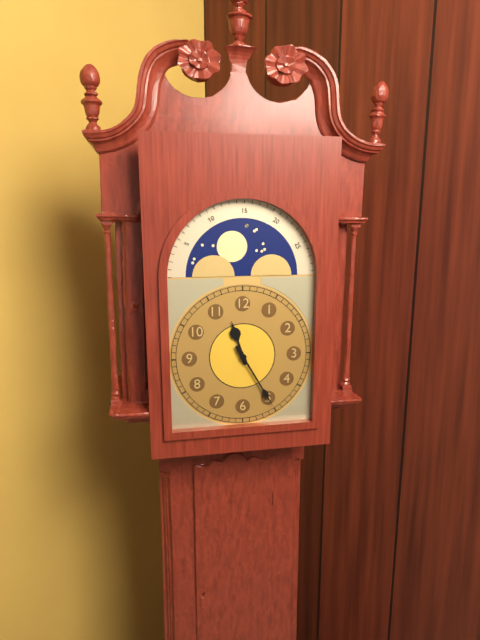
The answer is 11.25
